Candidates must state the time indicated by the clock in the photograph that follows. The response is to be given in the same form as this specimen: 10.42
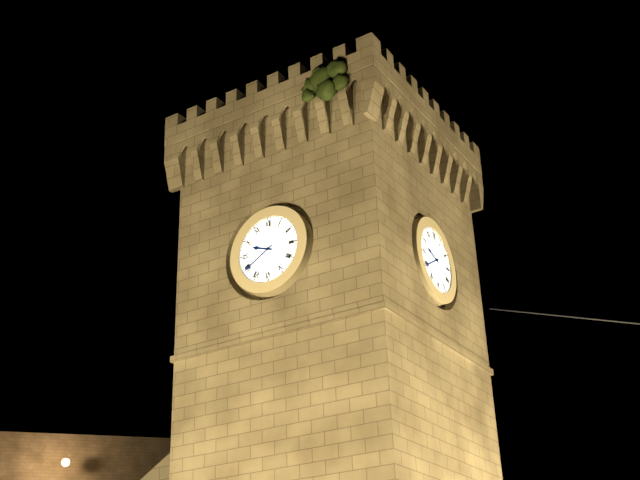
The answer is 9.40
